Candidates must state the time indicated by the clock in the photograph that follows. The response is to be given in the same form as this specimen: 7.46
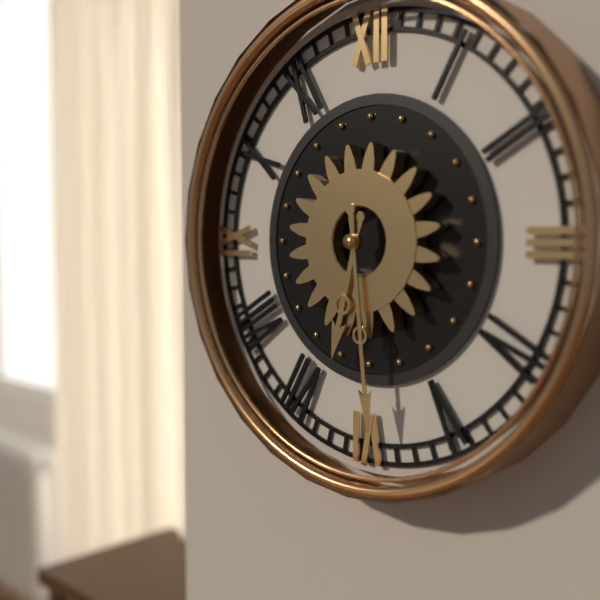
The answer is 6.29
